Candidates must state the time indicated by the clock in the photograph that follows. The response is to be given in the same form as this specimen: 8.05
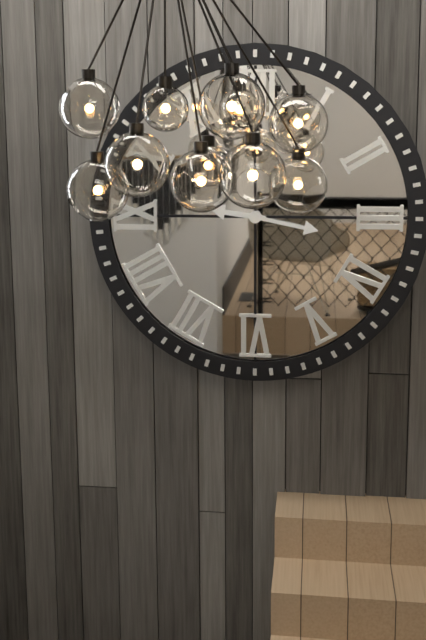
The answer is 9.17
